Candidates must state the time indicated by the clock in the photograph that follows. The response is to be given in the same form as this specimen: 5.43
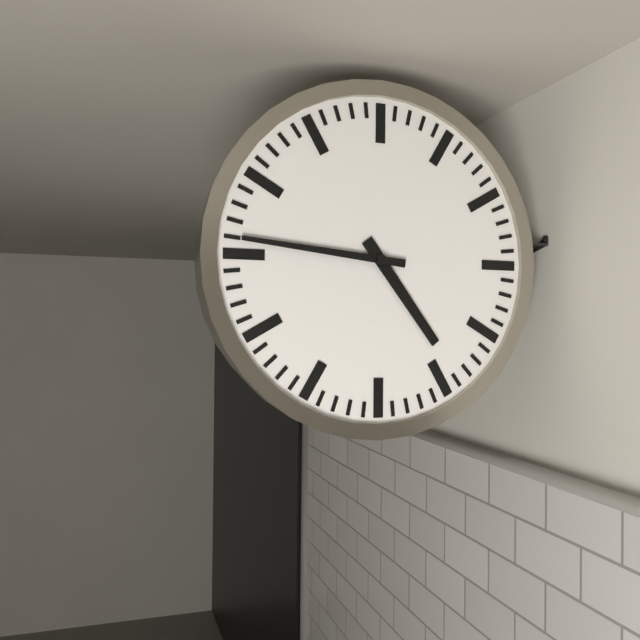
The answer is 4.46
